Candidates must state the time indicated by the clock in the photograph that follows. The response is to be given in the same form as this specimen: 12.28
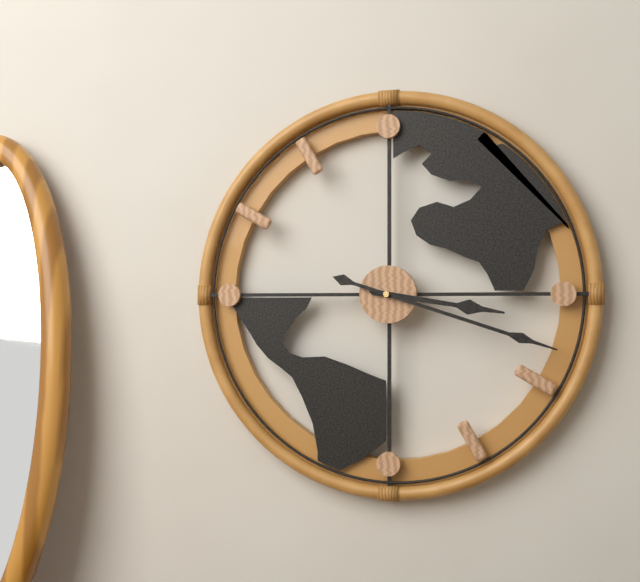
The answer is 3.18
